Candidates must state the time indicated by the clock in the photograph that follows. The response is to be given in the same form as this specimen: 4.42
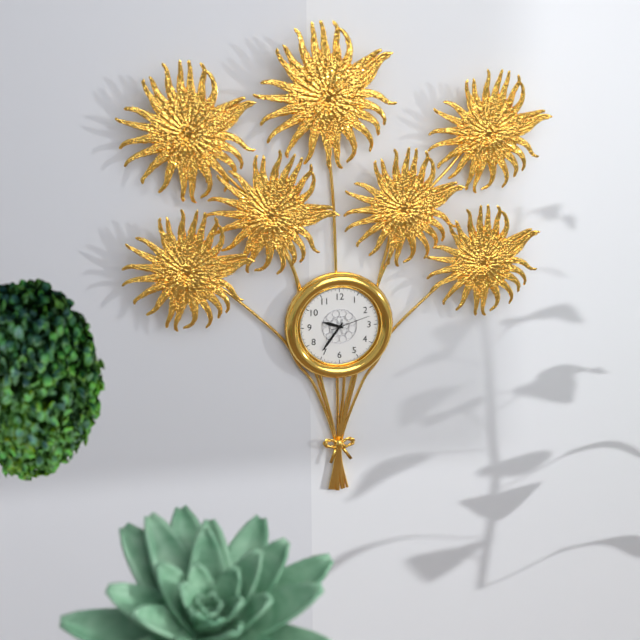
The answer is 9.36
